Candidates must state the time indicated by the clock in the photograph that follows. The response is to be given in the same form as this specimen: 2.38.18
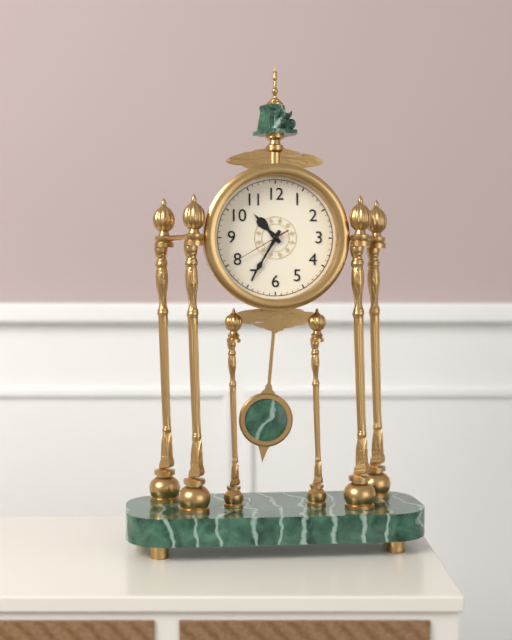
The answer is 10.35.40
